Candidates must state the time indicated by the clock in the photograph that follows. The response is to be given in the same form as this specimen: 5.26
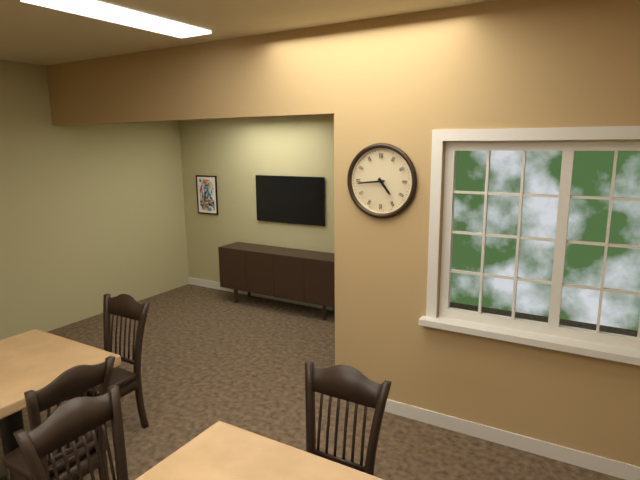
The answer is 4.44
